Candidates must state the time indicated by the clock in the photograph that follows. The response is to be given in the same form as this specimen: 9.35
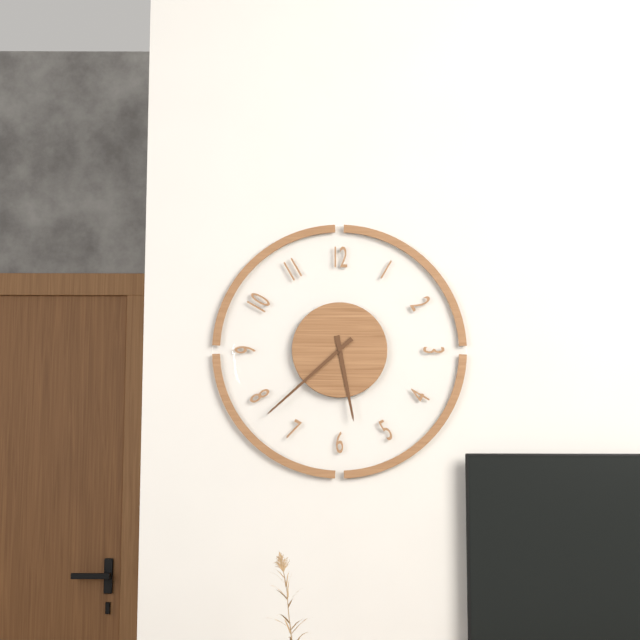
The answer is 5.38
